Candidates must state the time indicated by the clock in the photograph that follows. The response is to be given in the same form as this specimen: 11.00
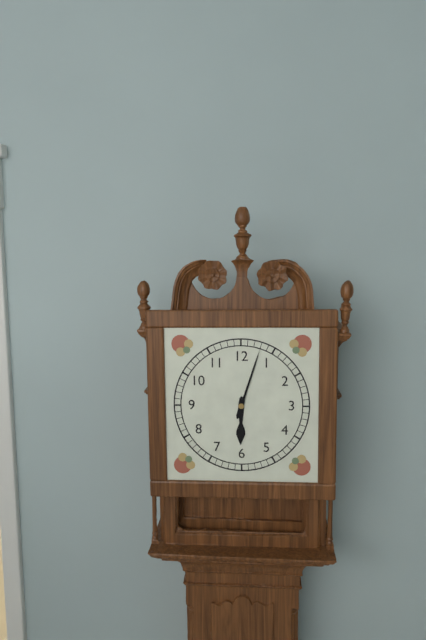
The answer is 6.03
